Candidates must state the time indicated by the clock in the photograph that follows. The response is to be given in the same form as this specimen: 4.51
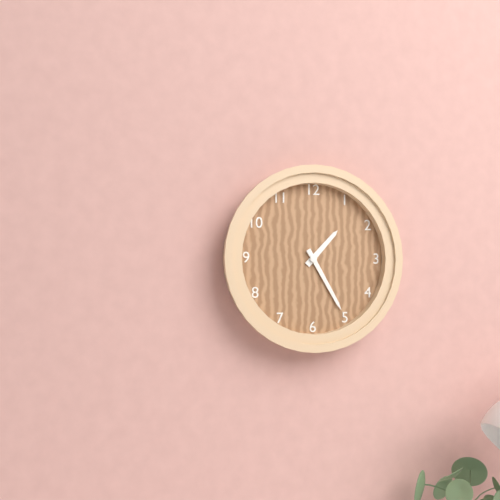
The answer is 1.25
